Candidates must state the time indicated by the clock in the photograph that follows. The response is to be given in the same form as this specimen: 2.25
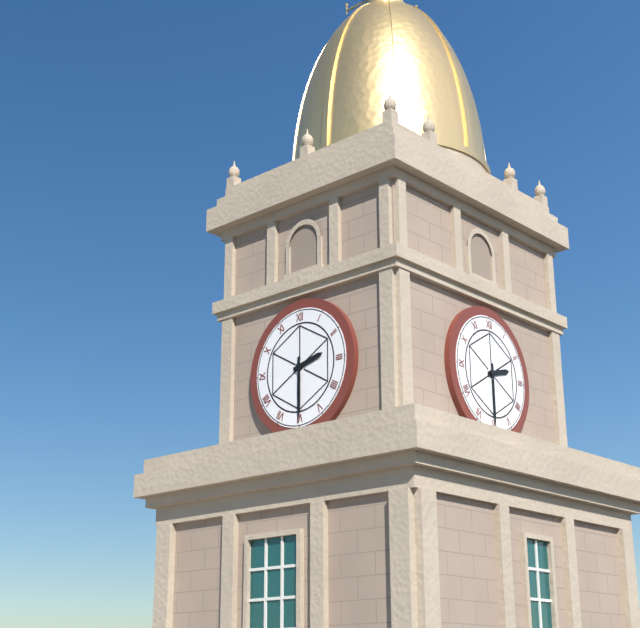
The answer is 2.30
